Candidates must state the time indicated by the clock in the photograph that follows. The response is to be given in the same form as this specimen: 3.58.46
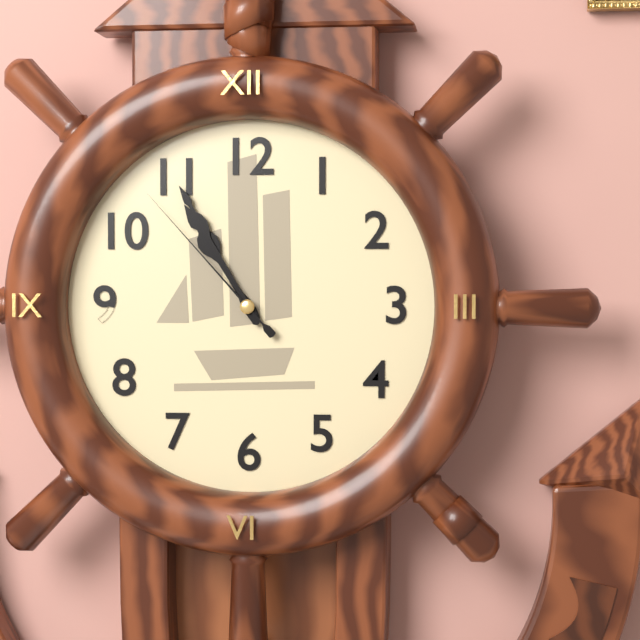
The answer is 10.55.53
